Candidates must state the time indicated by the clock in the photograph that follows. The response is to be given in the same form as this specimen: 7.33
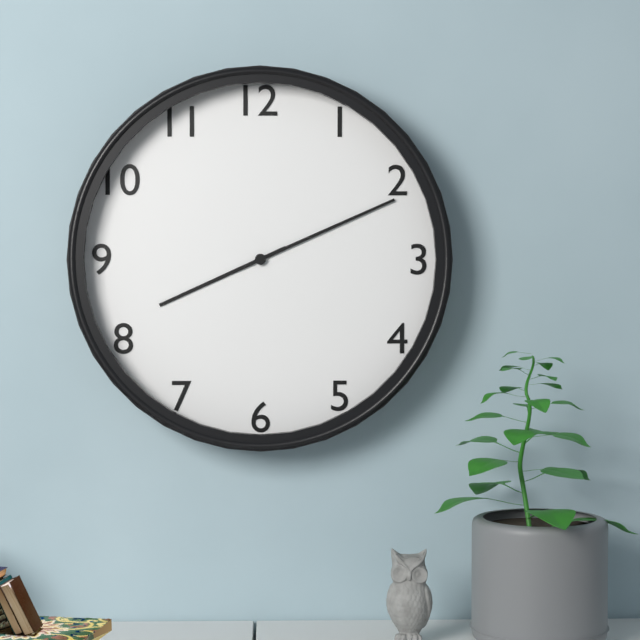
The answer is 8.11
